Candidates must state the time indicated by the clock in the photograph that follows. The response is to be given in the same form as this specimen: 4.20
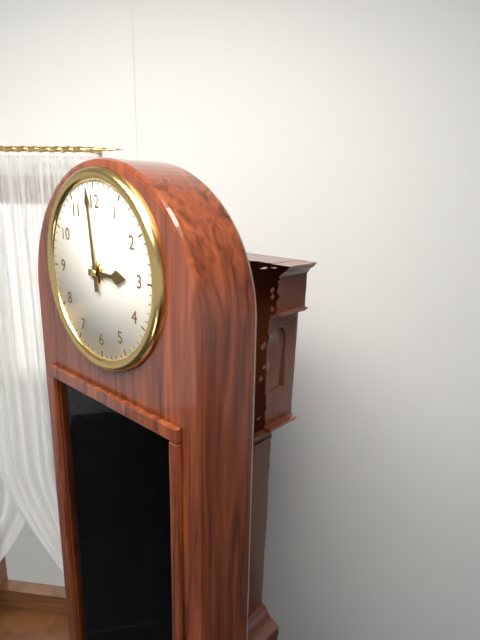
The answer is 2.59
